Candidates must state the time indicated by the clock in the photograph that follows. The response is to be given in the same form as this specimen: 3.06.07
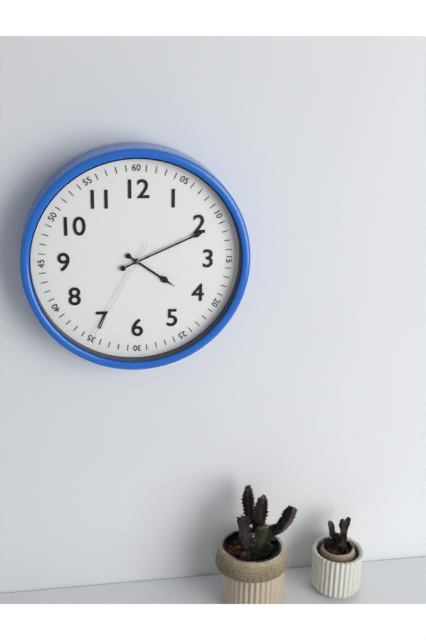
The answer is 4.11.35
